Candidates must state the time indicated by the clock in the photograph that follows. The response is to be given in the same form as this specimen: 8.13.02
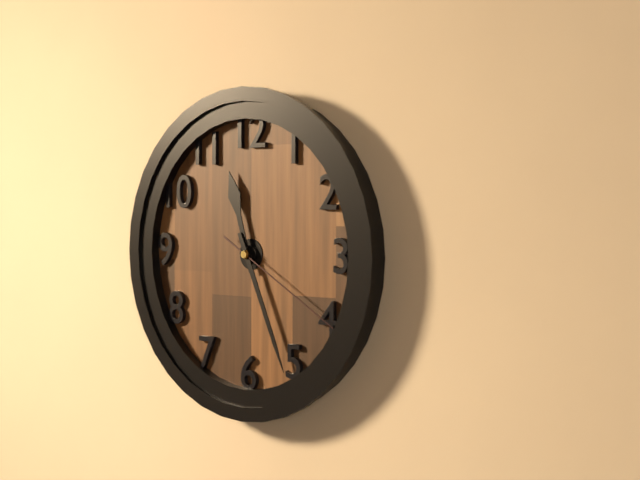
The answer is 11.26.20
